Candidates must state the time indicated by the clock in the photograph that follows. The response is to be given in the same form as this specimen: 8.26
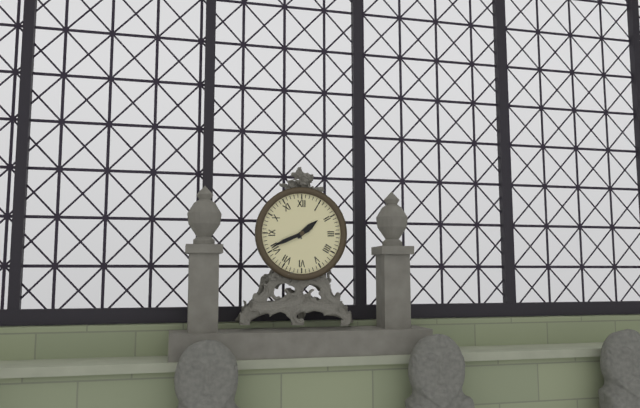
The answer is 1.41
